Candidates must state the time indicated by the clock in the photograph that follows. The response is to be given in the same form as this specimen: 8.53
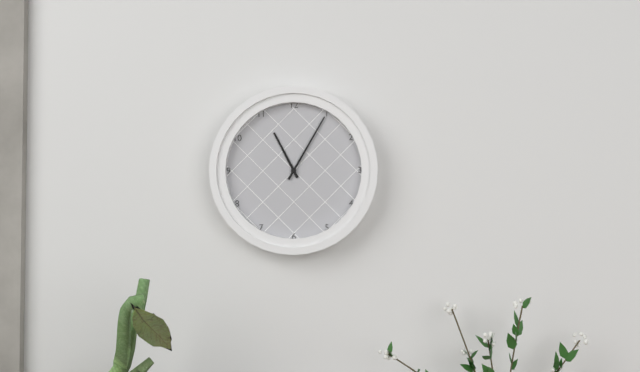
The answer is 11.05
